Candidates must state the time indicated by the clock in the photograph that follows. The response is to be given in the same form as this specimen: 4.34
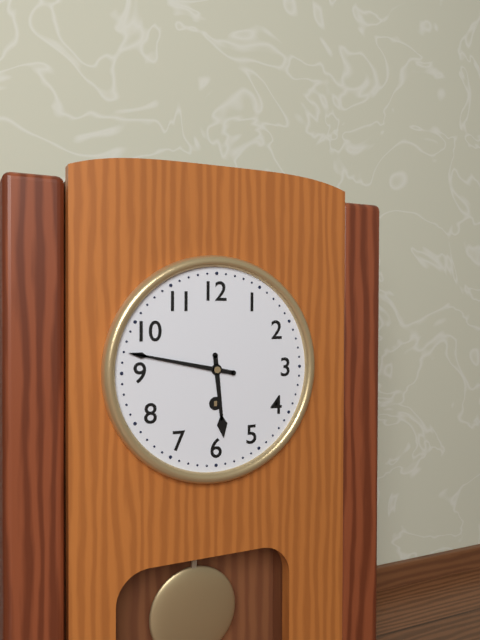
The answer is 5.47
